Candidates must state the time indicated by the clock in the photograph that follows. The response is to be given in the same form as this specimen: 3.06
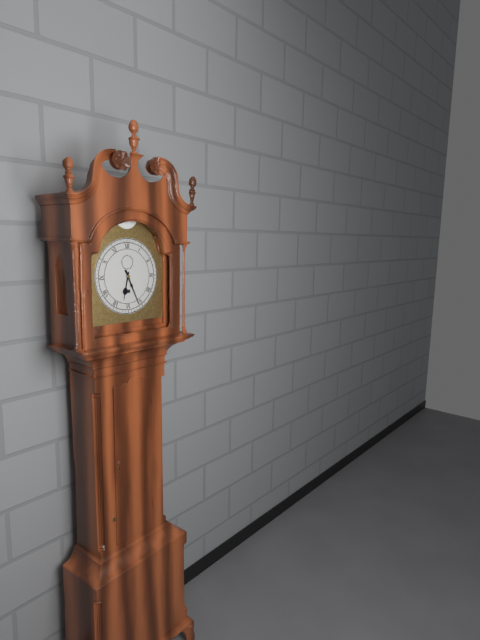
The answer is 6.26
